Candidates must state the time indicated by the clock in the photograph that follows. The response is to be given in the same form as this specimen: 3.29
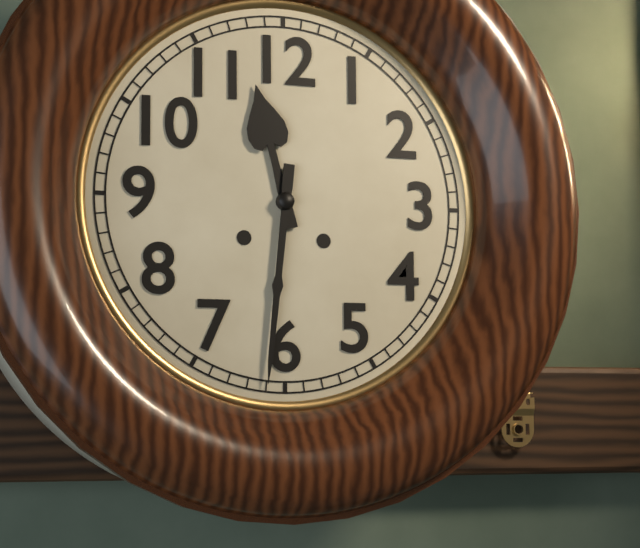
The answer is 11.31
